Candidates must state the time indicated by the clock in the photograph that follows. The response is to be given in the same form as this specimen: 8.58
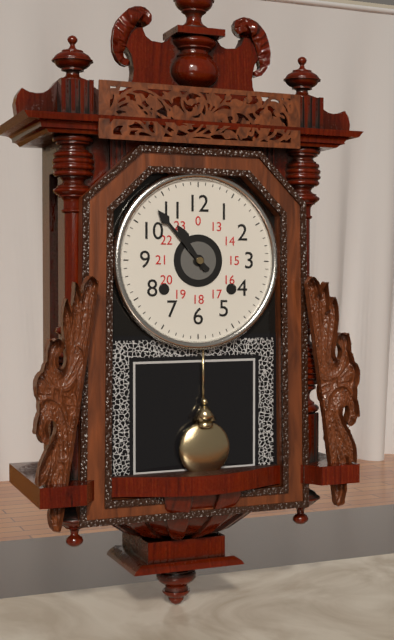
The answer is 10.53
